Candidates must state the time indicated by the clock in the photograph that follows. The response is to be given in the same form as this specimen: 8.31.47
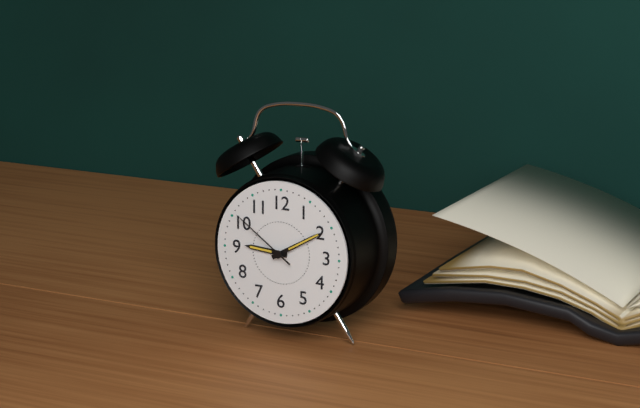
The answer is 9.10.51
